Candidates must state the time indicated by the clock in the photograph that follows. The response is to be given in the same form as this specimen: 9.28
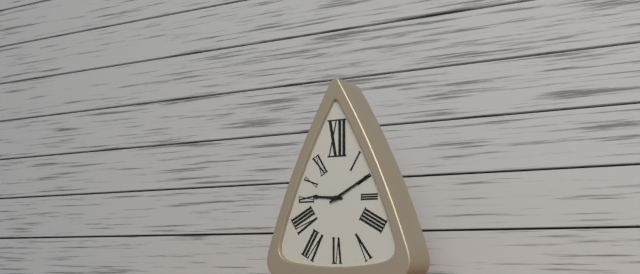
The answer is 9.10
